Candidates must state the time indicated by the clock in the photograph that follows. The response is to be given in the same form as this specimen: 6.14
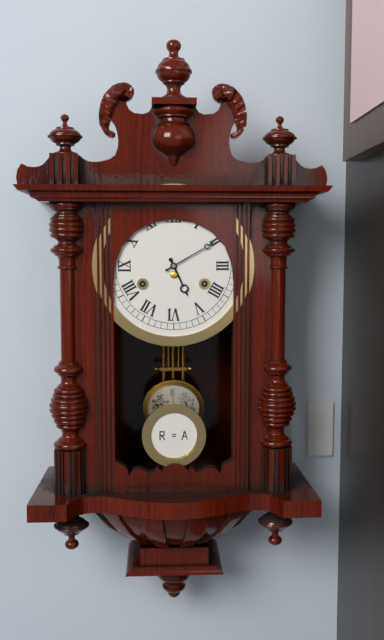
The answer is 5.10
